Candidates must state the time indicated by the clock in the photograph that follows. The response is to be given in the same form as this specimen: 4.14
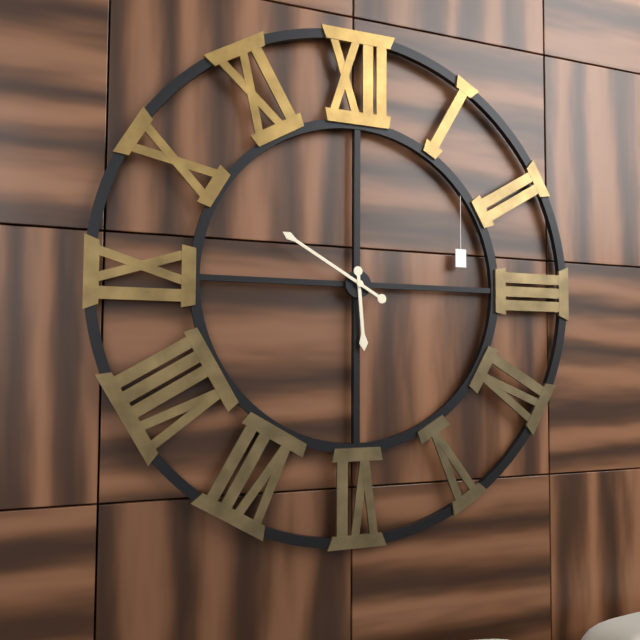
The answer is 5.50
